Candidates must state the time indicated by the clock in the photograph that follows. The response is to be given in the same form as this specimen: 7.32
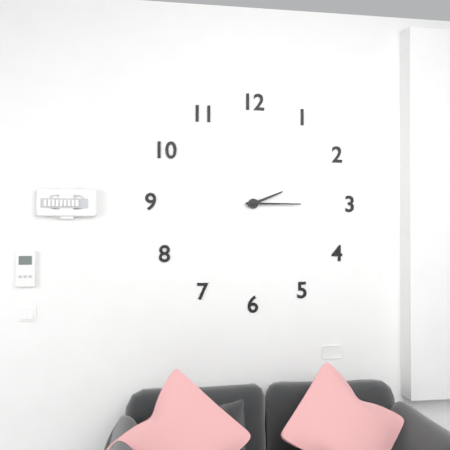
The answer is 2.15
